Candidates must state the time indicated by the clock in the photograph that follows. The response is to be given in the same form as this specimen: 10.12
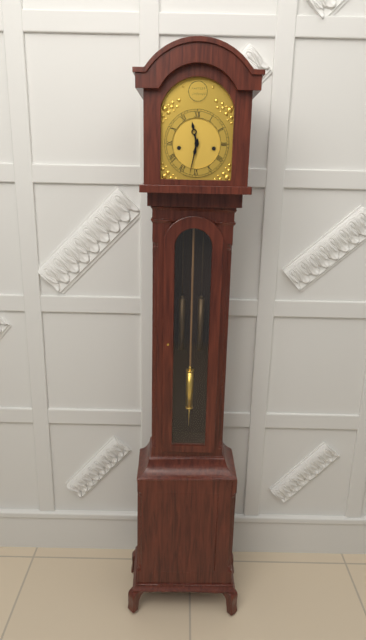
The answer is 11.32
